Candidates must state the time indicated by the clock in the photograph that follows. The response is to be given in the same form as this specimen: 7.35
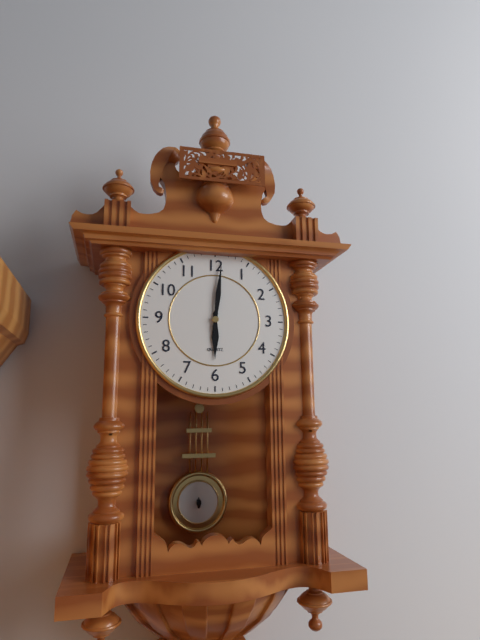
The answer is 6.01
